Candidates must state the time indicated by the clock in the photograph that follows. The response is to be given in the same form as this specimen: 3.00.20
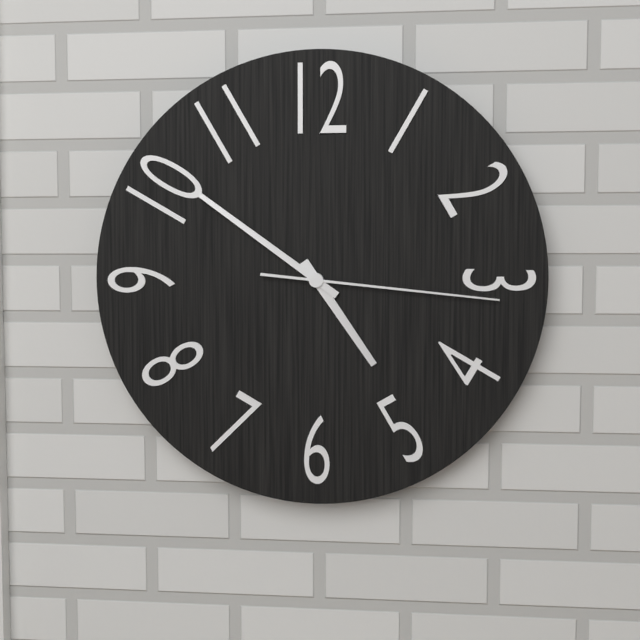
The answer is 4.51.16
